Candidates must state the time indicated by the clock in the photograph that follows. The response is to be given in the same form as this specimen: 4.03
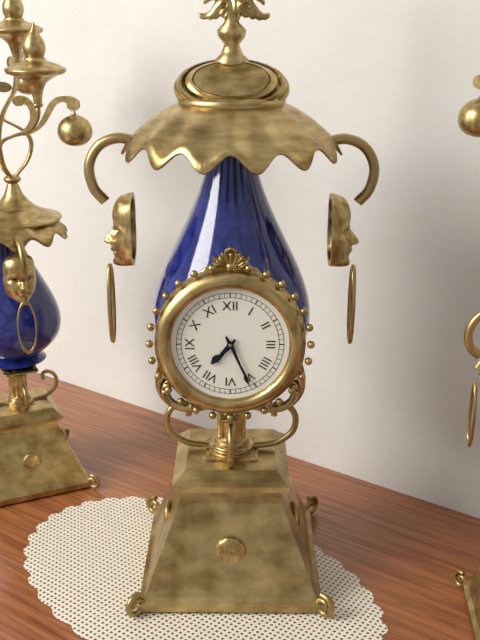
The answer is 7.26
